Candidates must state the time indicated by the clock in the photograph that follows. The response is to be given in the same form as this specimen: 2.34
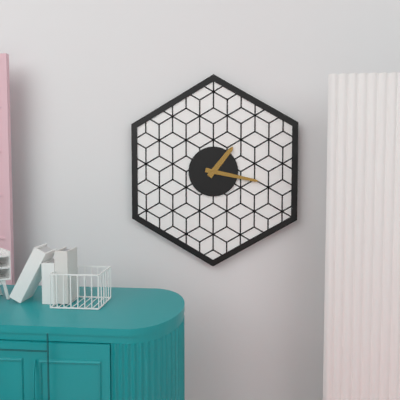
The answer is 1.17
